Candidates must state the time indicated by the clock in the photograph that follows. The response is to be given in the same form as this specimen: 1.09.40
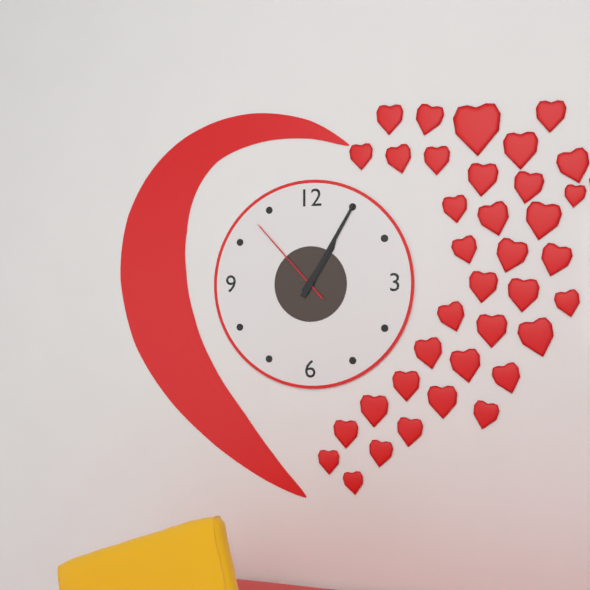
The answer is 1.05.53
